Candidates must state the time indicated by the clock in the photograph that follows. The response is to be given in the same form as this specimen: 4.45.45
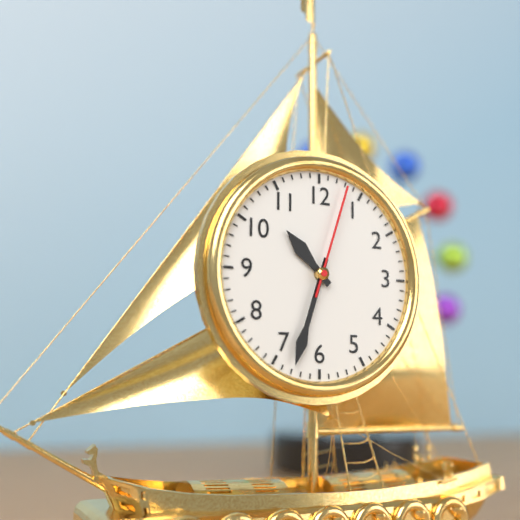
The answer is 10.33.03
